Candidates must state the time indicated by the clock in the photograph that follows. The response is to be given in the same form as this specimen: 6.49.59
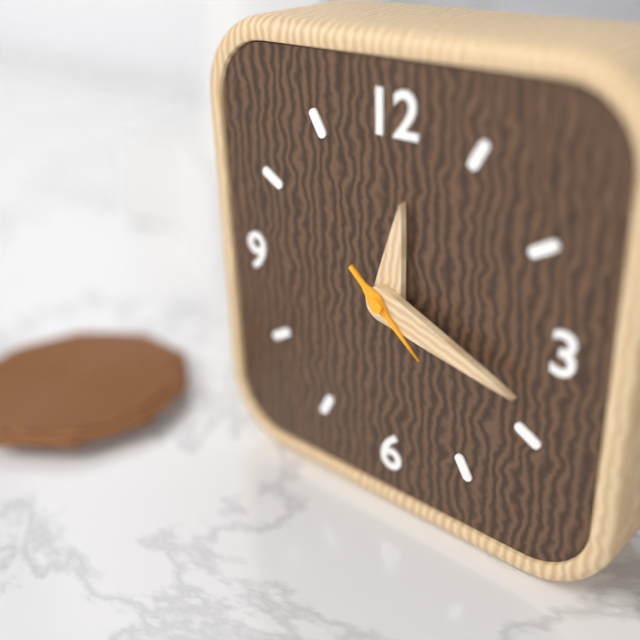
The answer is 12.18.22
